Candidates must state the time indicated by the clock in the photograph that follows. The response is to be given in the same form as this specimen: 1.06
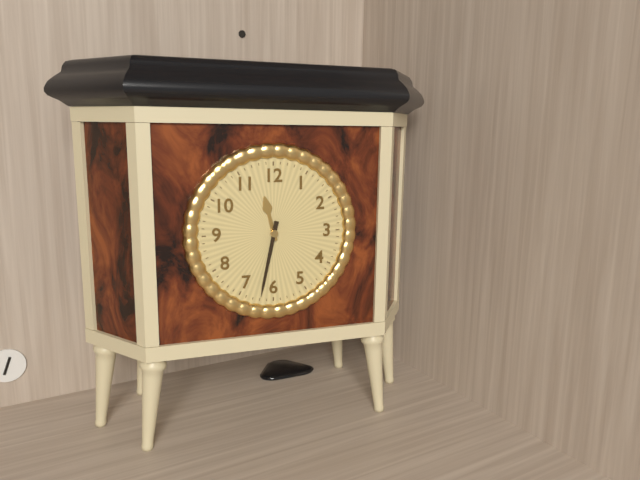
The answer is 11.32
